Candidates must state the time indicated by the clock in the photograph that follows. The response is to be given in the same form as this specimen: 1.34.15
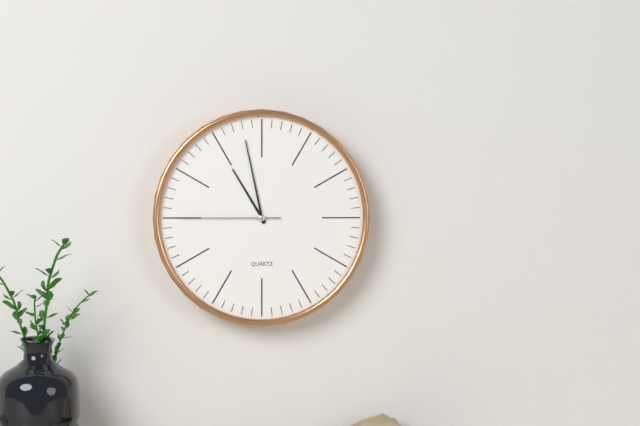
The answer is 10.58.45
